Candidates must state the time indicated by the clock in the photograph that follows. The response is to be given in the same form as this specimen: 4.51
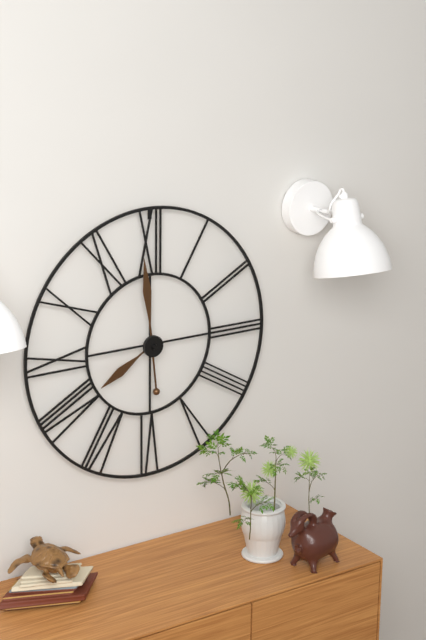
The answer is 7.59
